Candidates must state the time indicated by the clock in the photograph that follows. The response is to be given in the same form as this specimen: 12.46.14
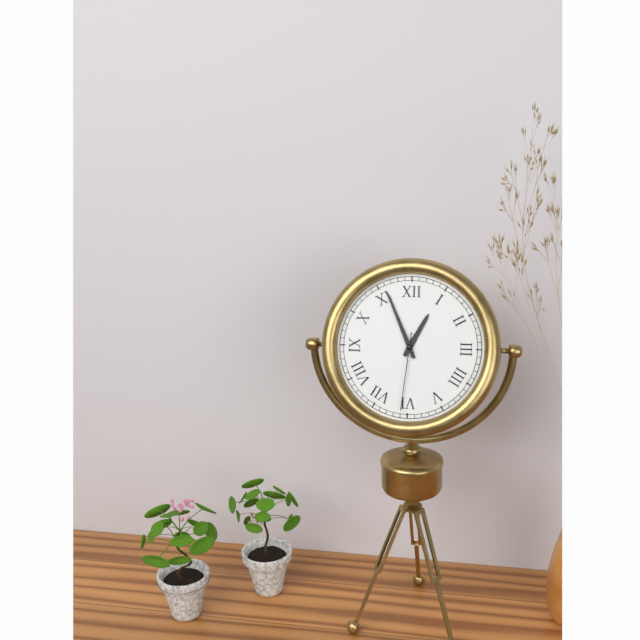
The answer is 12.56.31
